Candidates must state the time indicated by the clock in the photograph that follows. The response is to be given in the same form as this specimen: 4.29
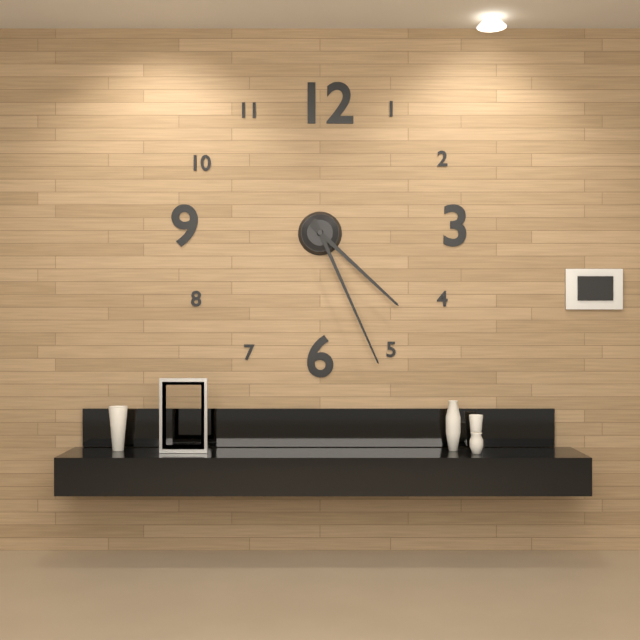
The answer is 4.26
